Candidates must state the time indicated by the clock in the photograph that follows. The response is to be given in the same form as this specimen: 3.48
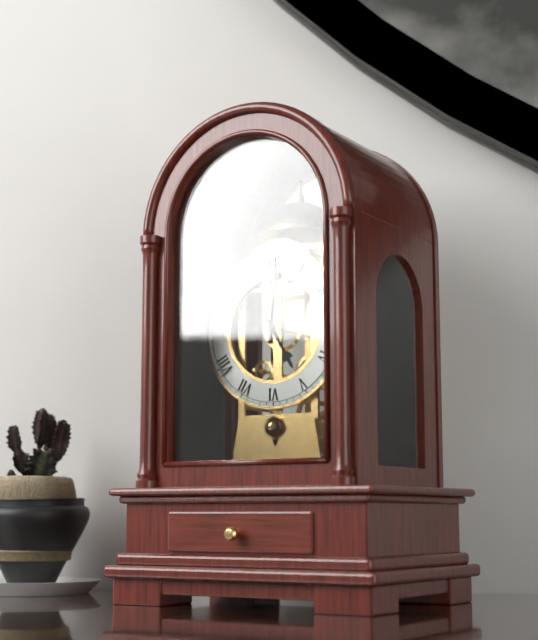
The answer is 5.01
